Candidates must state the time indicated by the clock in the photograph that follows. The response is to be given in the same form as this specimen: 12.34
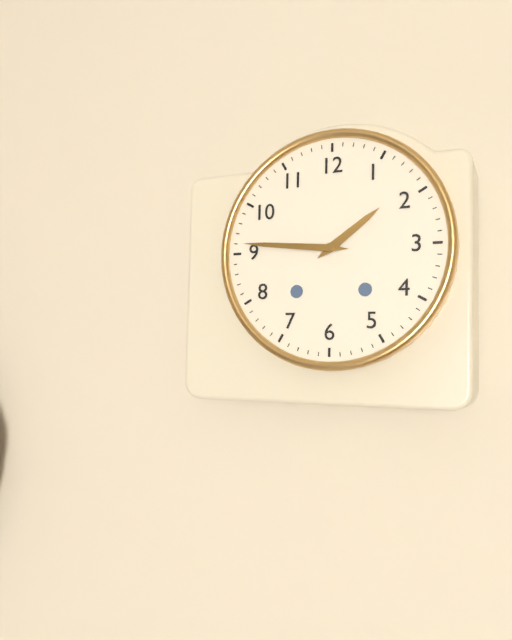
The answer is 1.46
